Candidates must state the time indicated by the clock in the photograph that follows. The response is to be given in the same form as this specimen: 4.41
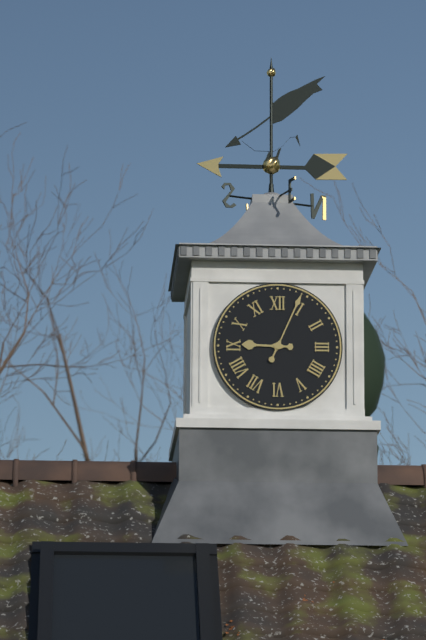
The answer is 9.04
